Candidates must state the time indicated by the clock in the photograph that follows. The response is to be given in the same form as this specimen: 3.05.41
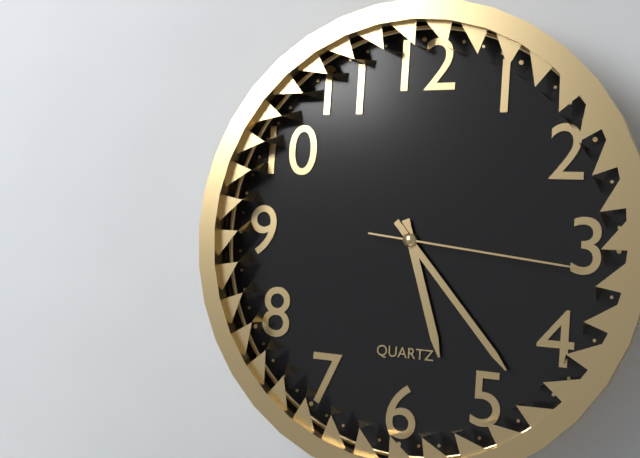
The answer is 5.23.16
